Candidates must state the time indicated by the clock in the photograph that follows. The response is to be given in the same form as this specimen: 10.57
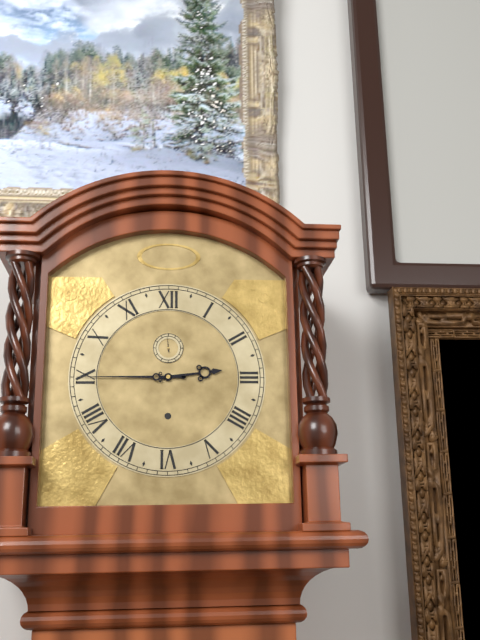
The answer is 2.45
